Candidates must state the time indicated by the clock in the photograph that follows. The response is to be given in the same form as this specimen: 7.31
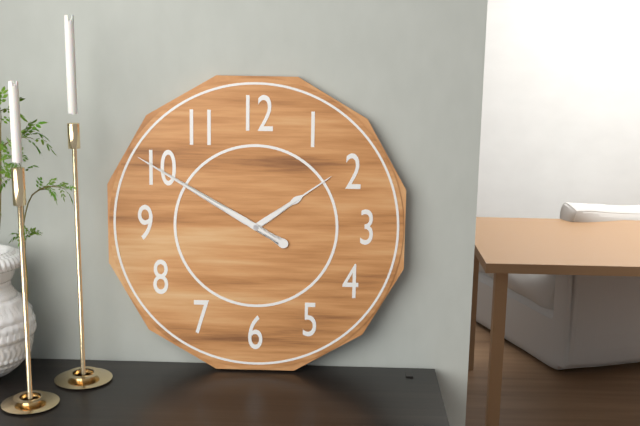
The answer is 1.50
